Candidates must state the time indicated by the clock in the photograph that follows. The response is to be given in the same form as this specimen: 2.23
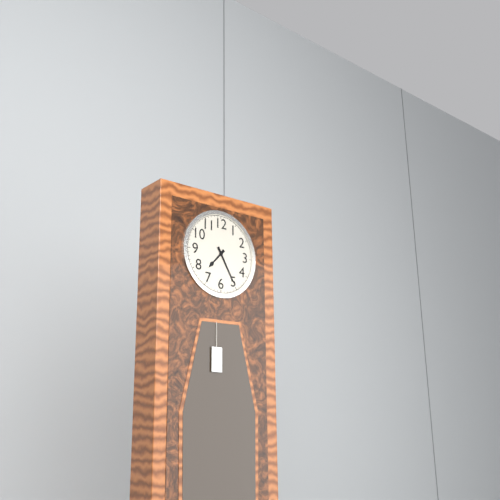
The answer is 7.25
